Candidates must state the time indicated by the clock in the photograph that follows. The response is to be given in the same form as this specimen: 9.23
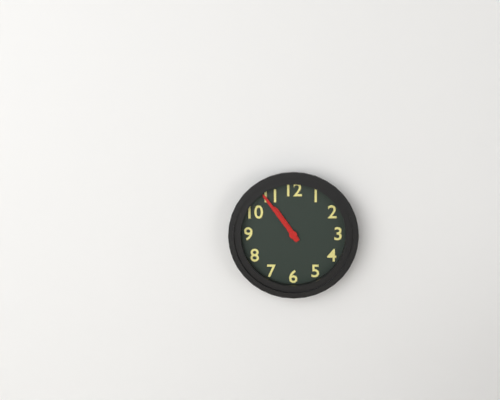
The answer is 10.54
